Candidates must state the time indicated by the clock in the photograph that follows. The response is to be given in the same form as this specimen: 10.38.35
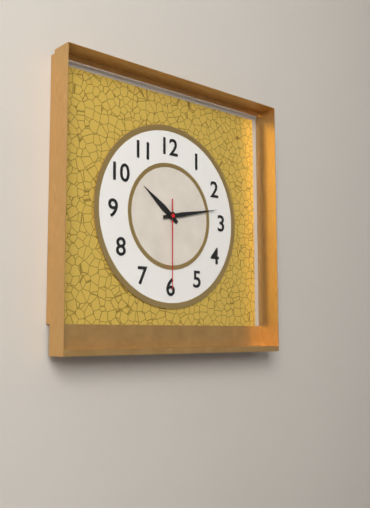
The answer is 10.13.30
